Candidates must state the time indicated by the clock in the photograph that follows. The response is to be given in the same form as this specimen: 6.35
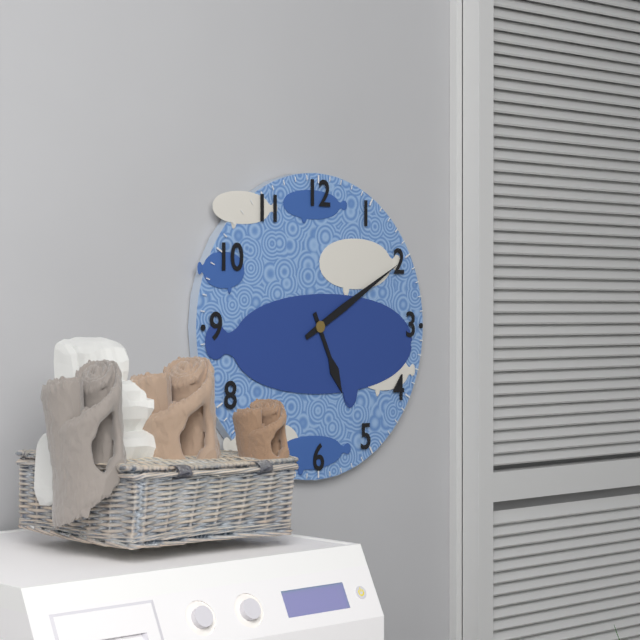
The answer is 5.10
